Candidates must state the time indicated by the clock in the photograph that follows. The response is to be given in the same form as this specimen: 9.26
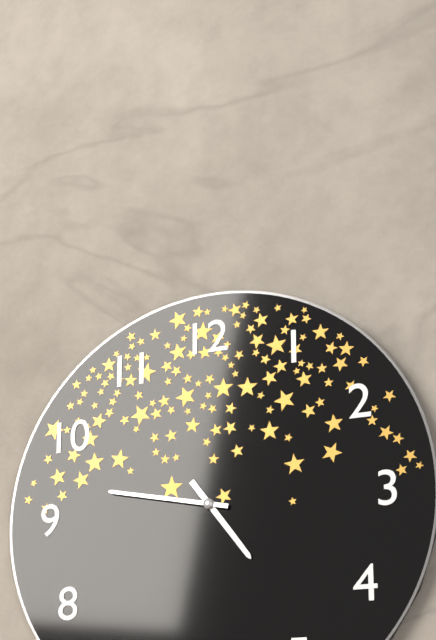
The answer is 4.47
